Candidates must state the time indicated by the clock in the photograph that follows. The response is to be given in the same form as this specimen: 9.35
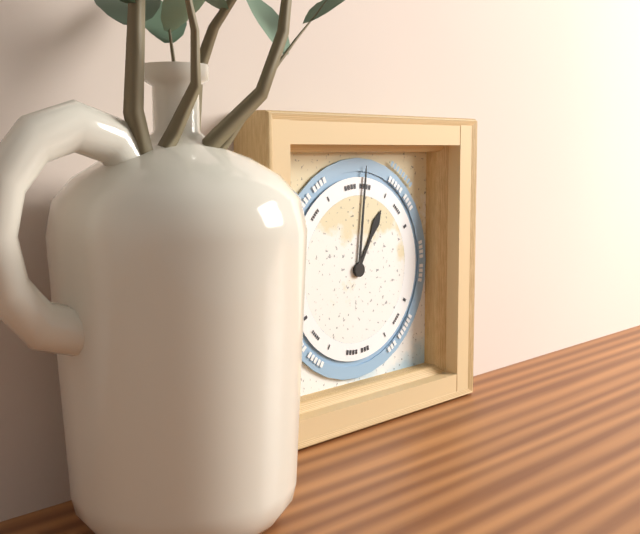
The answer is 1.01
